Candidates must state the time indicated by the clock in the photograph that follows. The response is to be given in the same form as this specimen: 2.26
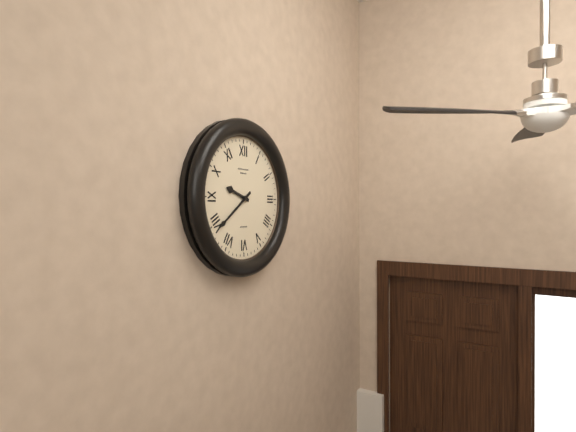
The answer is 9.39
